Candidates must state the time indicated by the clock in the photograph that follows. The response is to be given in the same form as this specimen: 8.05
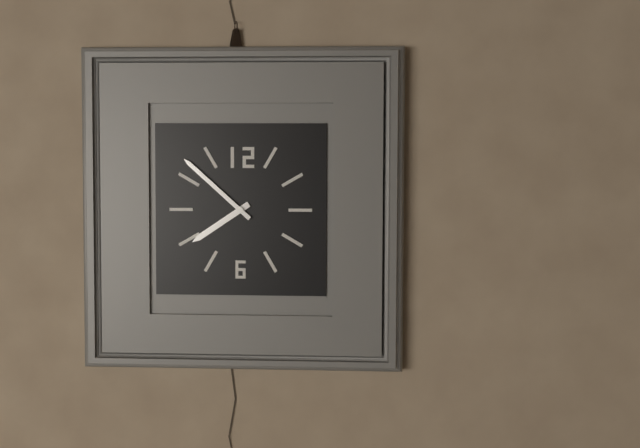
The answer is 7.52
